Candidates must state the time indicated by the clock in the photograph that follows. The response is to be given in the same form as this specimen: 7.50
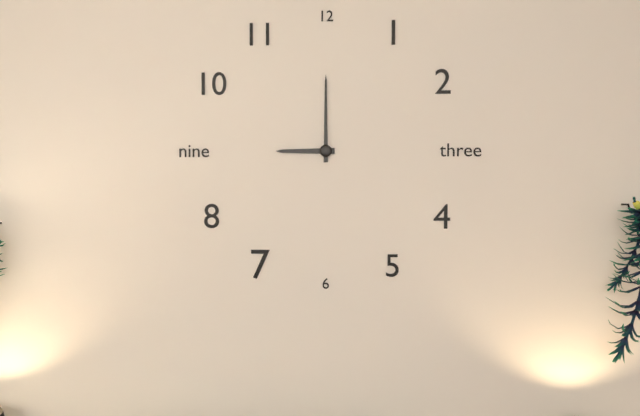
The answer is 9.00
